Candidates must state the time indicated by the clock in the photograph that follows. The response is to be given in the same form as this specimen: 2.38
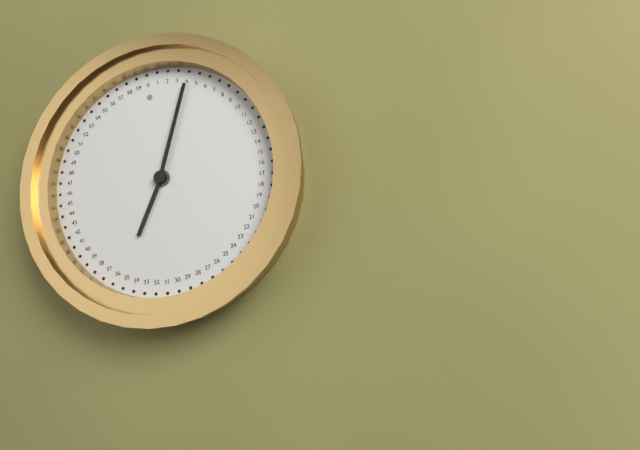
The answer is 7.04
